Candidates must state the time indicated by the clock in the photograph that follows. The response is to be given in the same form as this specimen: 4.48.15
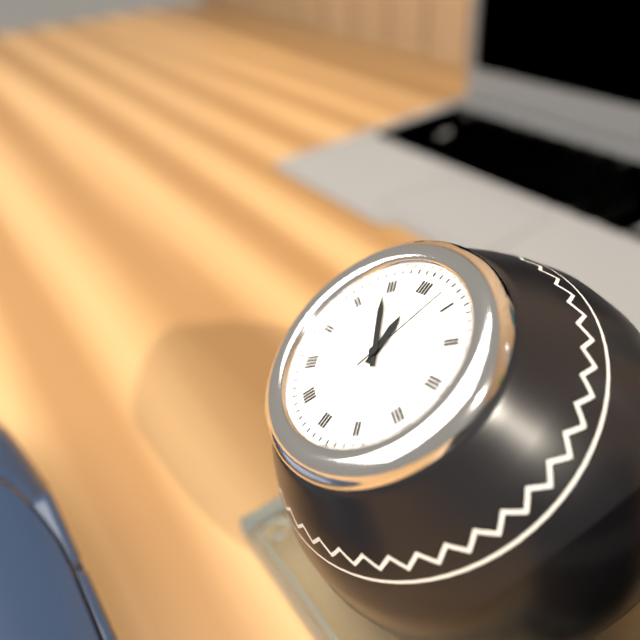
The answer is 11.54.03
